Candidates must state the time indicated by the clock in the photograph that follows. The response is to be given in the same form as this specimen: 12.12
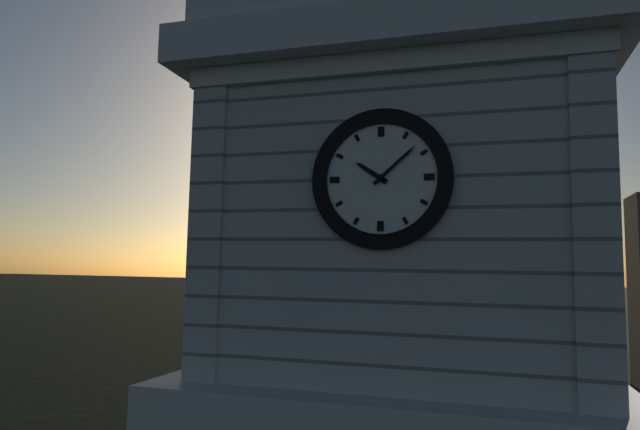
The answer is 10.08
